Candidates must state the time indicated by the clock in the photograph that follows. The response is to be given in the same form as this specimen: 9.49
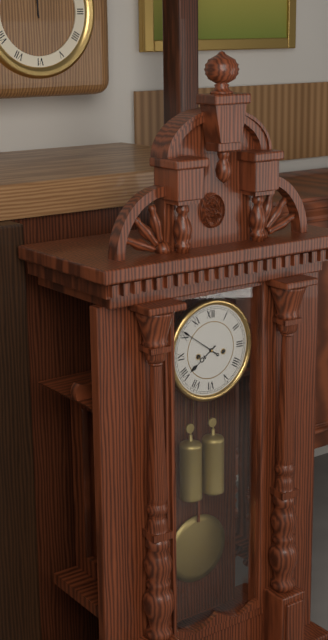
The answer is 7.51
